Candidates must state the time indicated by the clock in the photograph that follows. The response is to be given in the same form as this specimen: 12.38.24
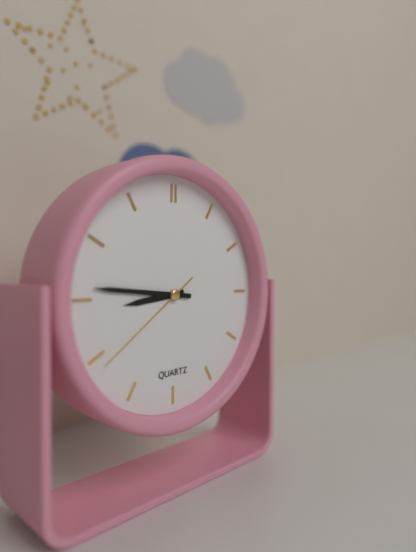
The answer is 8.46.39
